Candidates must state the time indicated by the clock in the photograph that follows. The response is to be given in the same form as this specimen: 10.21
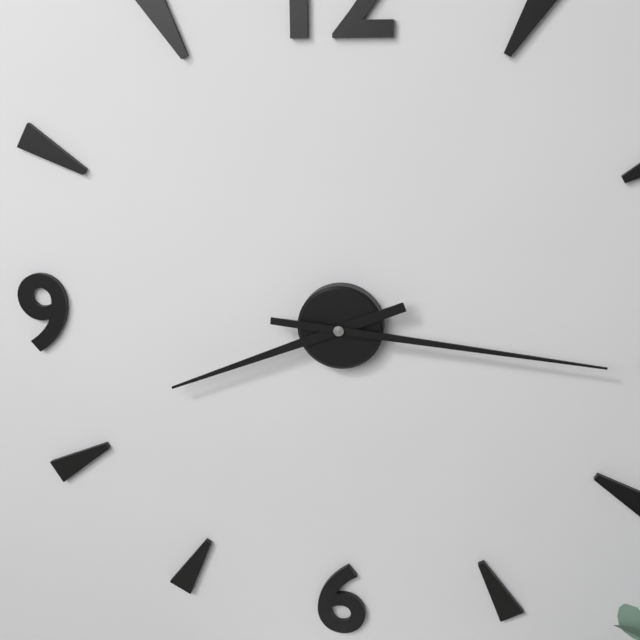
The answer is 8.16
